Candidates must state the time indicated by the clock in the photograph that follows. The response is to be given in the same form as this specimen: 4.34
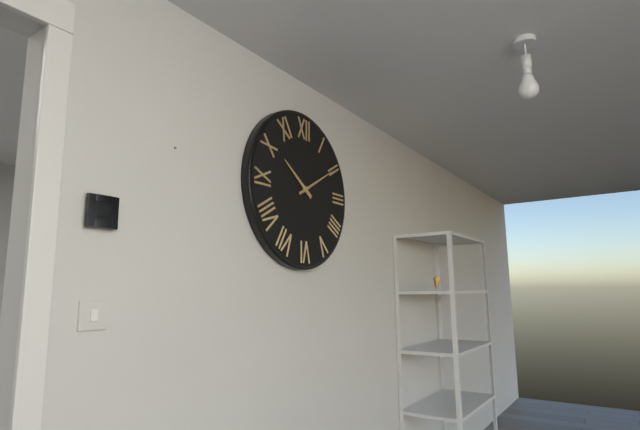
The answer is 10.10
